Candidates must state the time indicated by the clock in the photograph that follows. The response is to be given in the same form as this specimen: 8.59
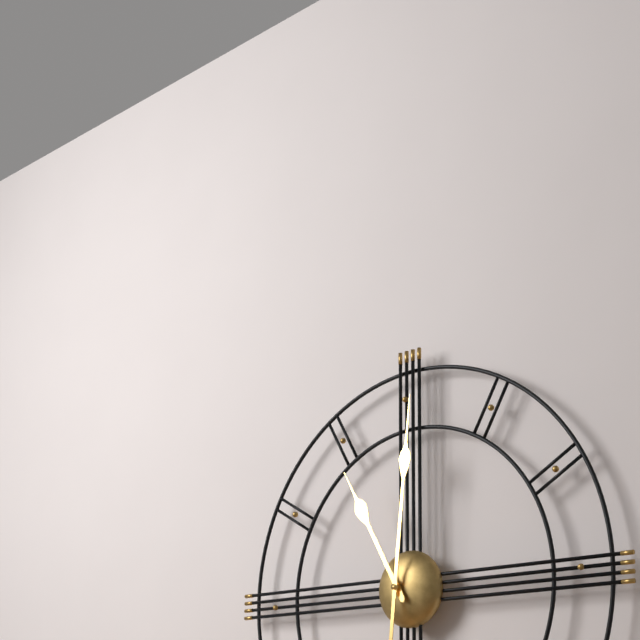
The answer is 11.01
